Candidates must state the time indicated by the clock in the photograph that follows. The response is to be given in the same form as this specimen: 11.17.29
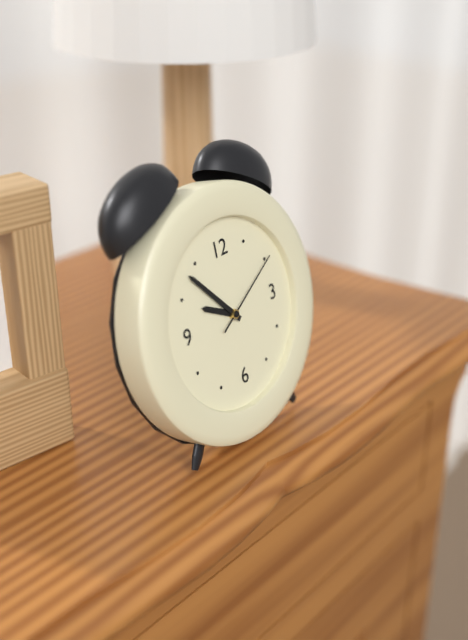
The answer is 9.53.10
